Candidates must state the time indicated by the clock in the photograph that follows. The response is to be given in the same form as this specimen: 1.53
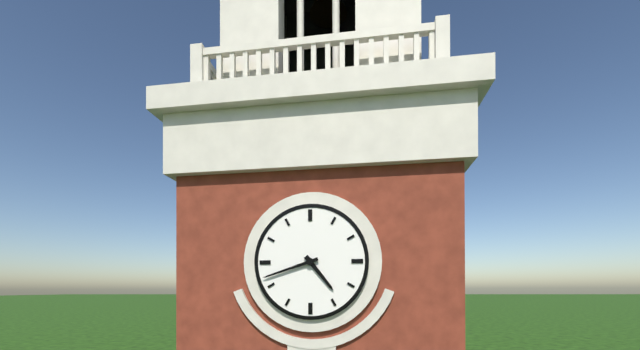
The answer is 4.42
